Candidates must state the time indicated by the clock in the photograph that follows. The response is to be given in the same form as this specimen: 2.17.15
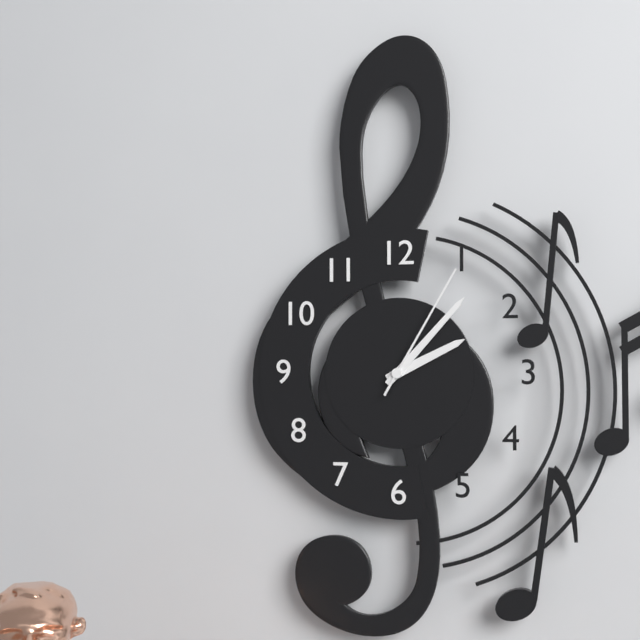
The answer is 2.07.05
